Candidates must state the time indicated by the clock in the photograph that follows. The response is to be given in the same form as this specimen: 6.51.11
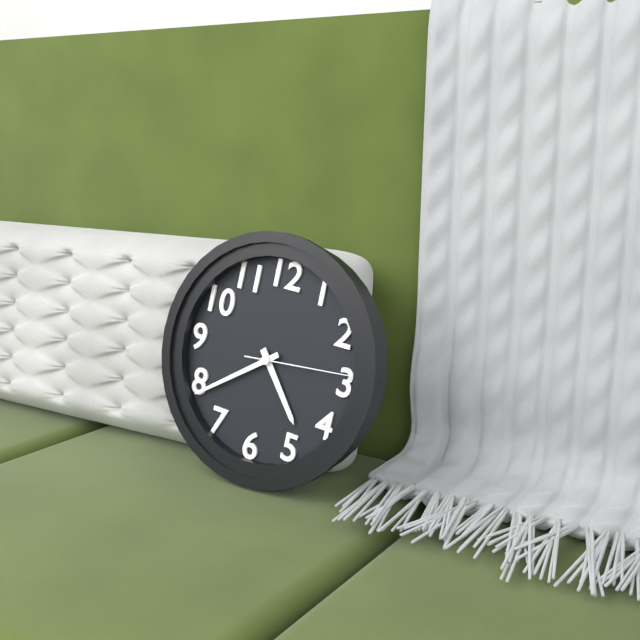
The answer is 4.39.14
